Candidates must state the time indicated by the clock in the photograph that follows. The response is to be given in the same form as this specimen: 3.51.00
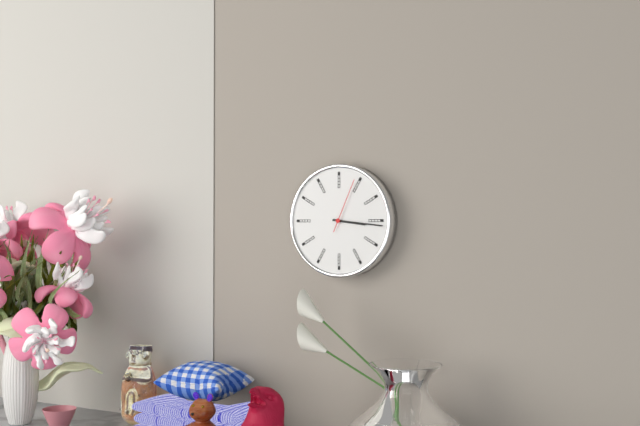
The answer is 3.16.04
